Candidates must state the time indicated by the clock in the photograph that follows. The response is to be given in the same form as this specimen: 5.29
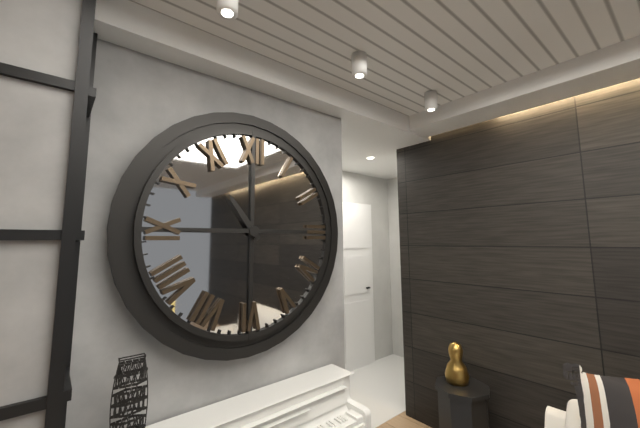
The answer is 10.45
